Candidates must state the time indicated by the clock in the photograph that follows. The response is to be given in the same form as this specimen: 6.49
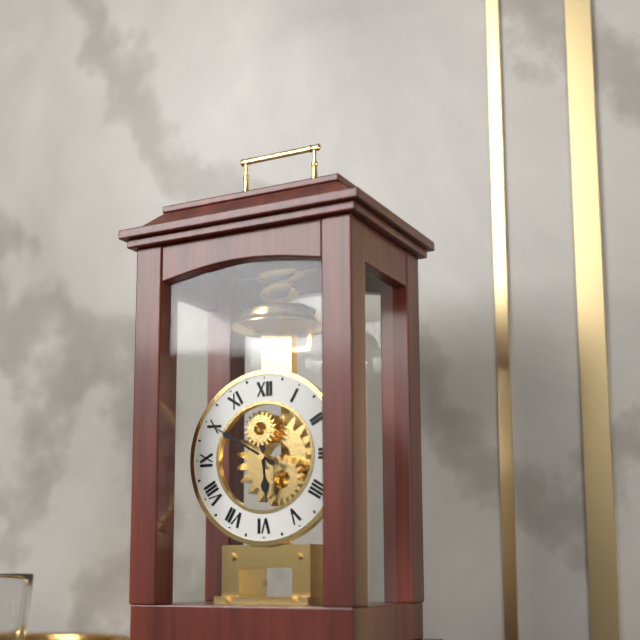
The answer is 5.50
